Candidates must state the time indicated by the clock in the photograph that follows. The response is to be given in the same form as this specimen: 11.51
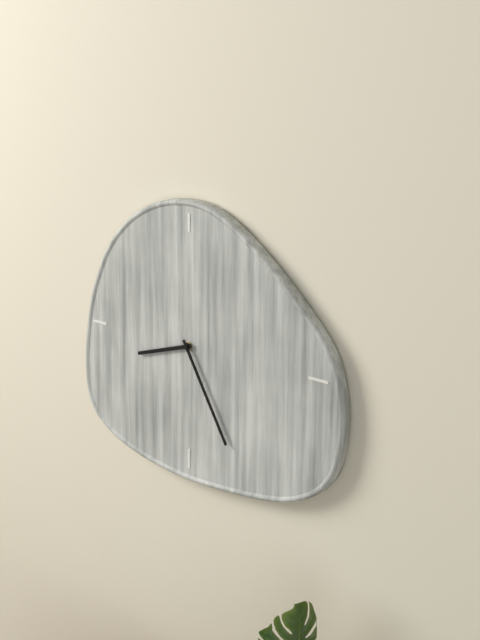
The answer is 8.25
